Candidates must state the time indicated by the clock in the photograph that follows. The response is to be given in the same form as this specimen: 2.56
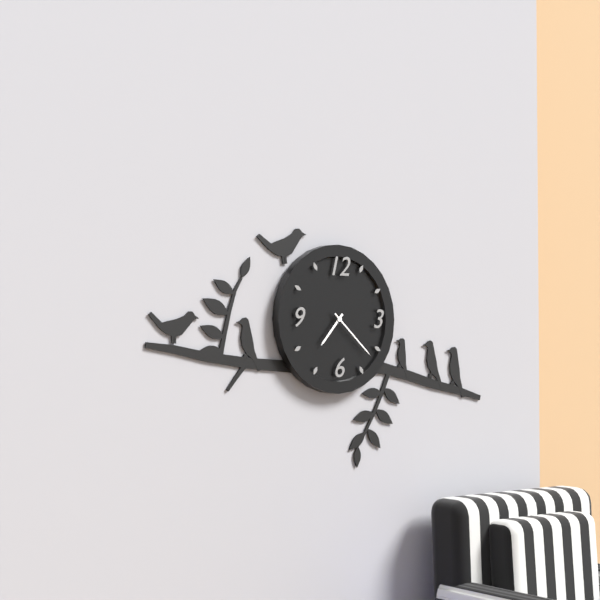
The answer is 7.22
